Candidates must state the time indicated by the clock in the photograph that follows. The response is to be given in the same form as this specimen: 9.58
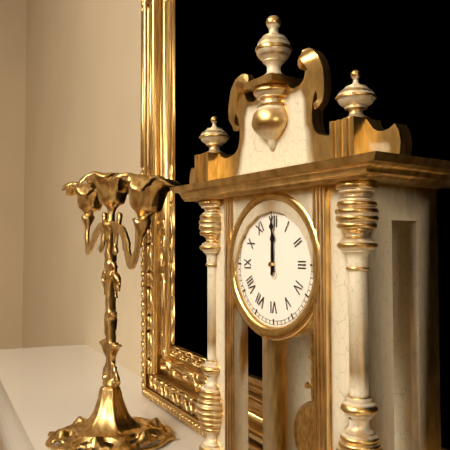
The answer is 12.00
